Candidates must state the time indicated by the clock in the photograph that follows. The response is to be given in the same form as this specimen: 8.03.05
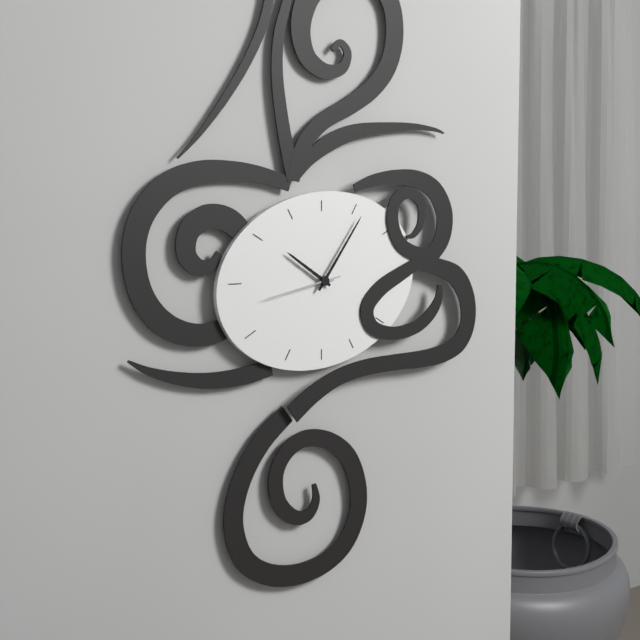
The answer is 10.06.43
